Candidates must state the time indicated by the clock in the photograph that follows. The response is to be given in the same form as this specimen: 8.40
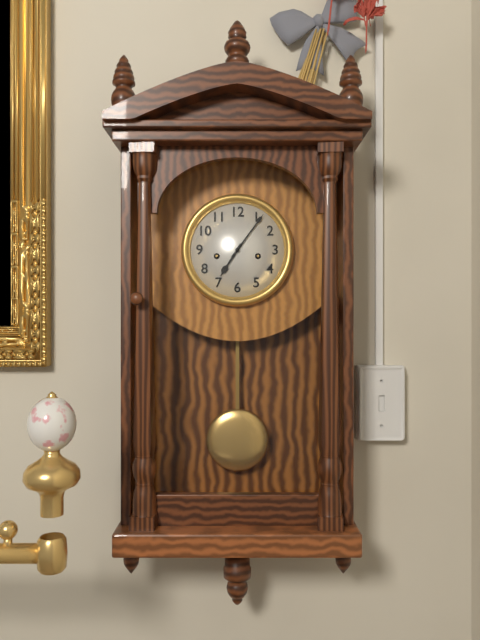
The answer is 7.06
